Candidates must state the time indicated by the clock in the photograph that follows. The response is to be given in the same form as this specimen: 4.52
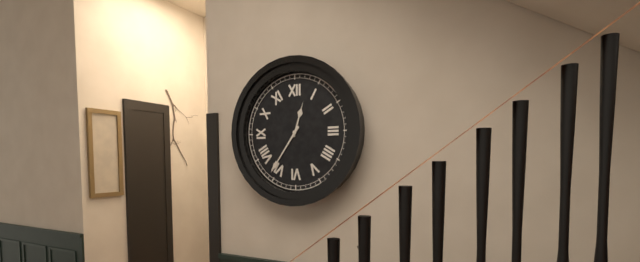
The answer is 12.36
